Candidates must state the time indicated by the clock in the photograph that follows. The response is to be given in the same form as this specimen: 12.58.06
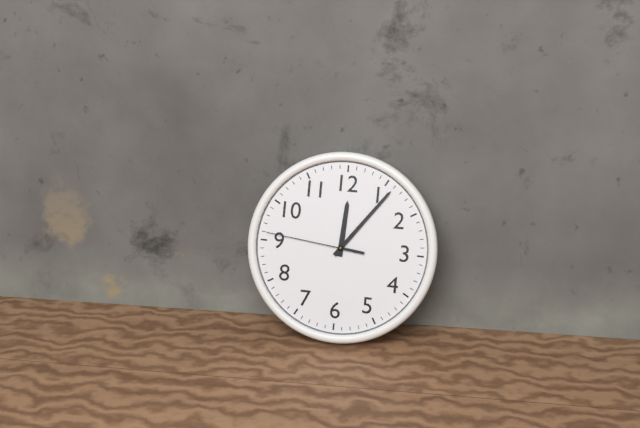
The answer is 12.06.46
